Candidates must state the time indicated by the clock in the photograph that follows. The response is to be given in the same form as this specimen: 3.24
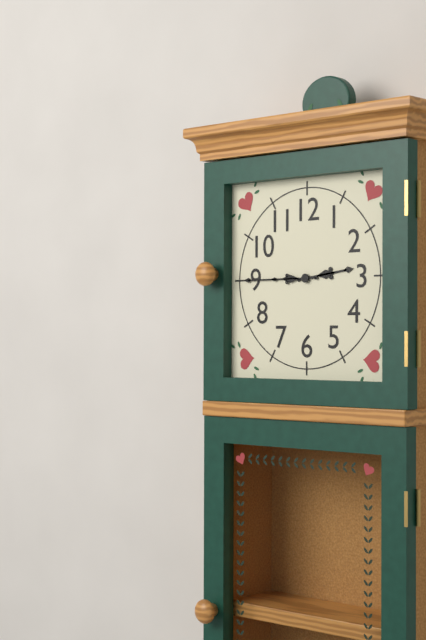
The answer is 2.45
